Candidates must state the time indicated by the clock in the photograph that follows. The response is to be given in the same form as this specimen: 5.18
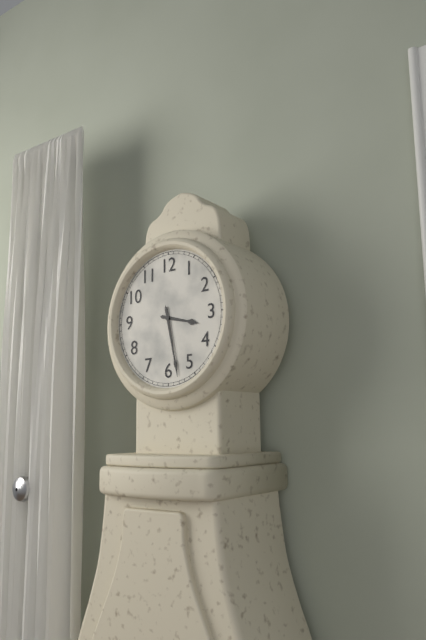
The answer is 3.28
